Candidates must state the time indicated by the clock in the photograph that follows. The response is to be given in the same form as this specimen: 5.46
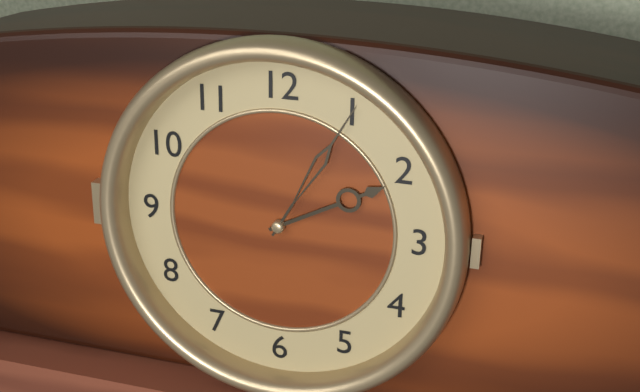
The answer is 2.05
